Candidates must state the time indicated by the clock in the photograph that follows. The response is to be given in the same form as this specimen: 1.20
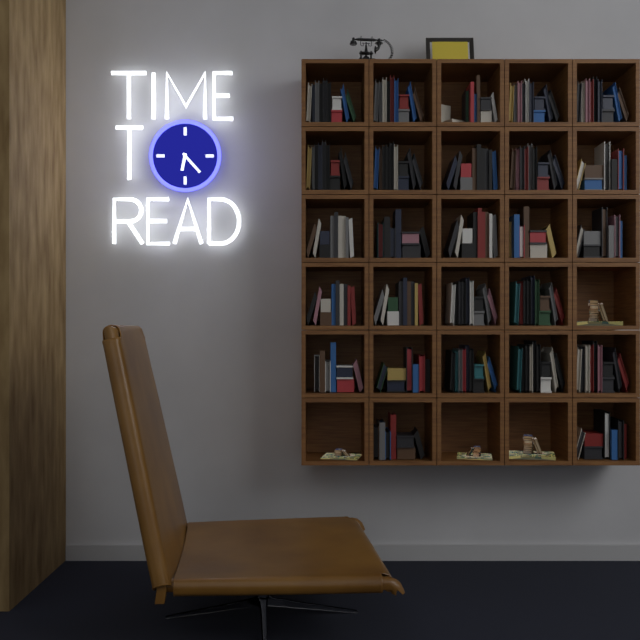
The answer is 6.23
